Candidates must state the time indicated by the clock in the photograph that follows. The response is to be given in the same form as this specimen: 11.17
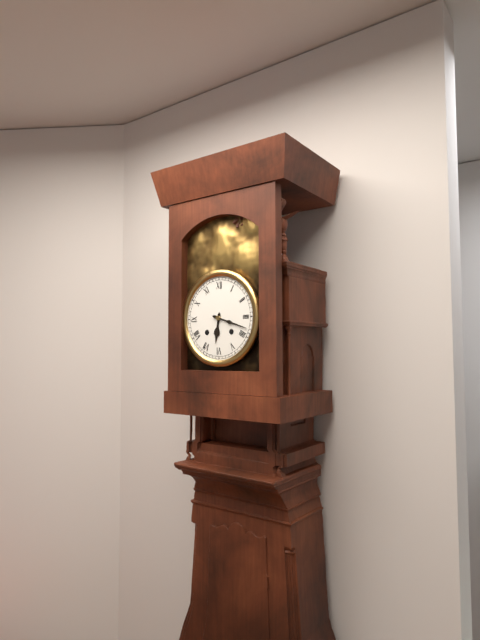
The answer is 6.18
